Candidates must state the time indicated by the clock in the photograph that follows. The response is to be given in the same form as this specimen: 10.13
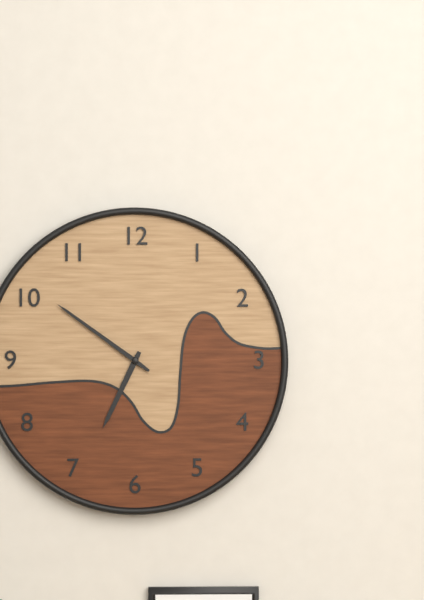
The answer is 6.51
